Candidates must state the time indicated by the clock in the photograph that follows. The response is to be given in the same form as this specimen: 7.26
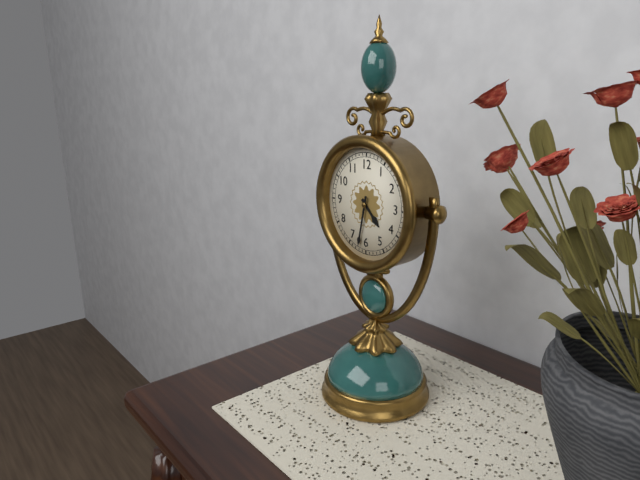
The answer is 4.32
